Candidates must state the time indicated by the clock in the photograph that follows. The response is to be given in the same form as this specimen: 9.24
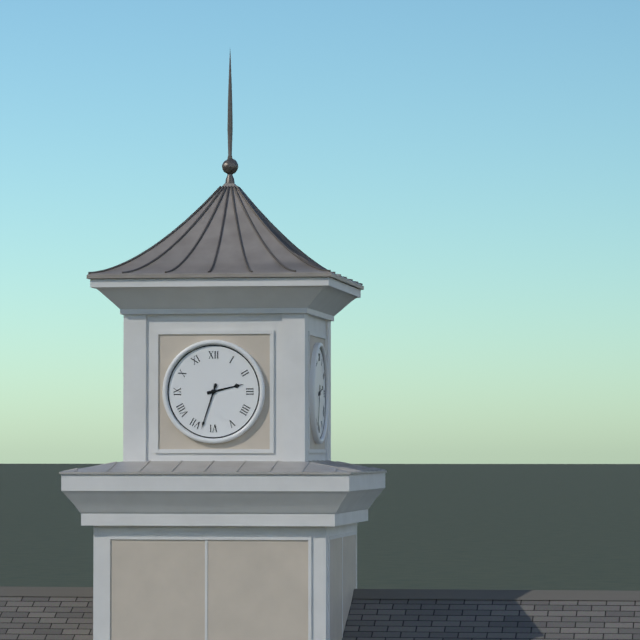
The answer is 2.33
